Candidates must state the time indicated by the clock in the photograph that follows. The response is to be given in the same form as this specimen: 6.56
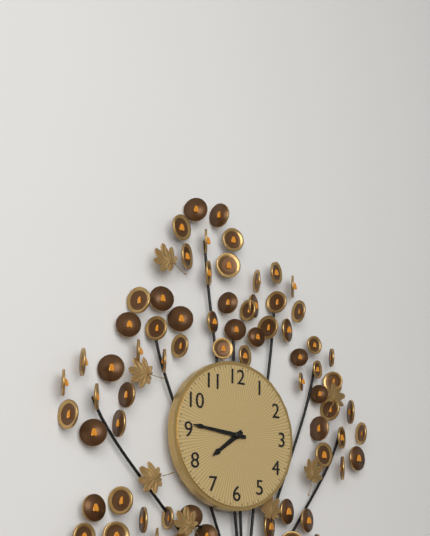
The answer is 7.46
